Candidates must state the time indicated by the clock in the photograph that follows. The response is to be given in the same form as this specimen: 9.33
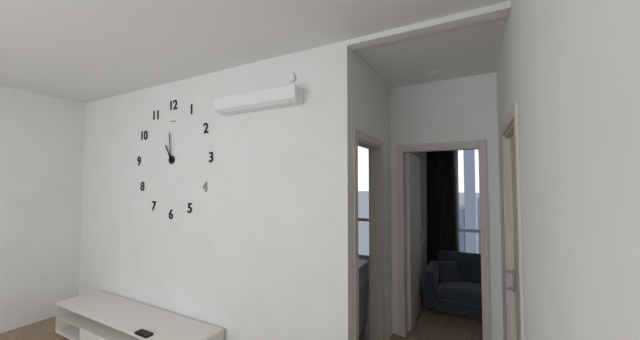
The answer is 10.59
